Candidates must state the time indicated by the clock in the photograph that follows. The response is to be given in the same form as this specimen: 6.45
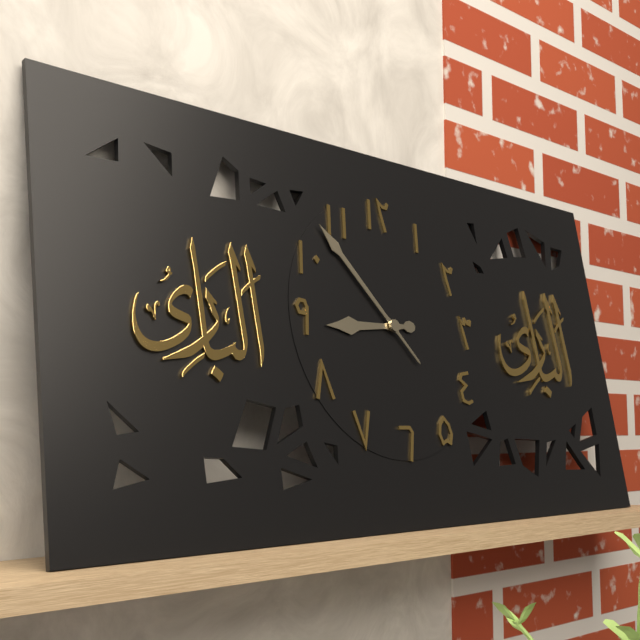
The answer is 8.53
